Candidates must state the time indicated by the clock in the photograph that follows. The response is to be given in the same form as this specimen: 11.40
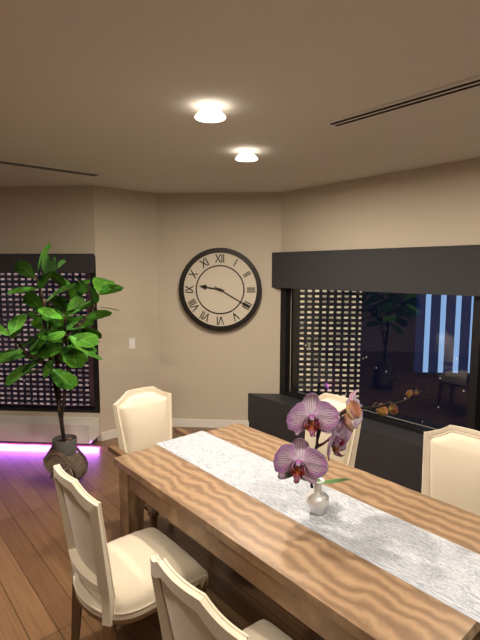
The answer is 9.20
